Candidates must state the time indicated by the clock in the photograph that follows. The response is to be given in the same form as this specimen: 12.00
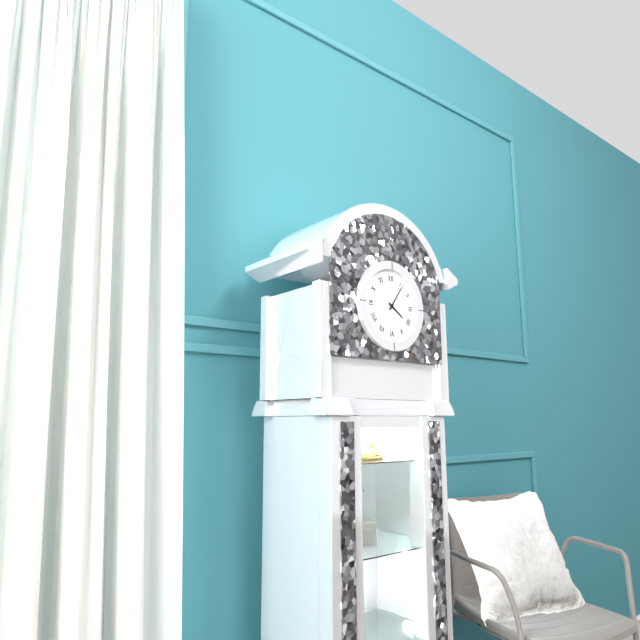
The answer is 4.06
